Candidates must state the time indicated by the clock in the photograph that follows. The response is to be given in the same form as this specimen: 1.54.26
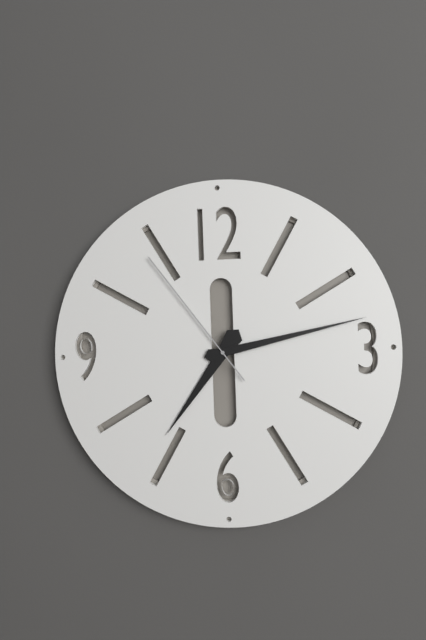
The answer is 7.13.54
